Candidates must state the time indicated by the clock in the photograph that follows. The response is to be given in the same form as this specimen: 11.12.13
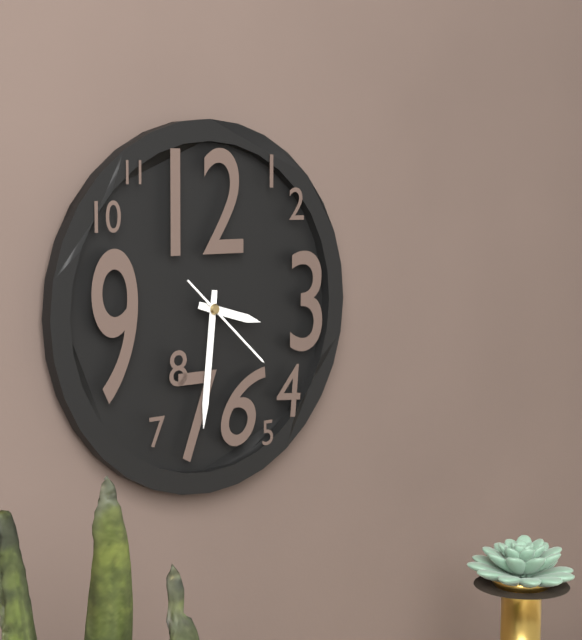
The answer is 3.31.22
